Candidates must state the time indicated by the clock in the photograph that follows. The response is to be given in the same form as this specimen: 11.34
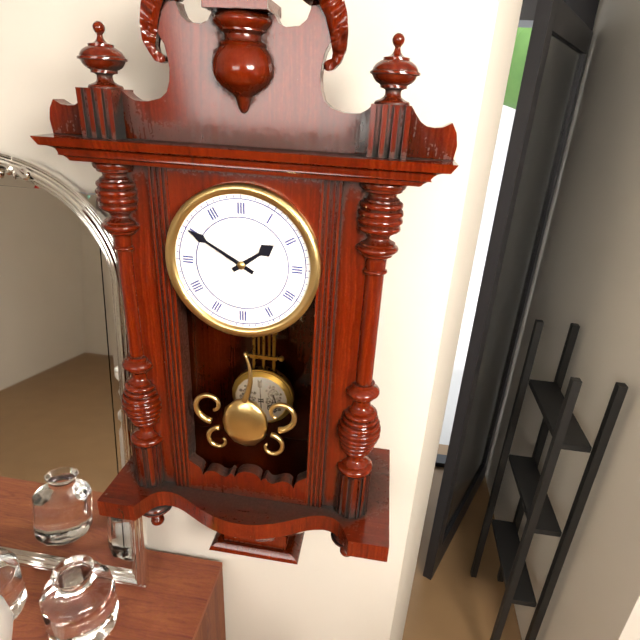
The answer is 1.50
